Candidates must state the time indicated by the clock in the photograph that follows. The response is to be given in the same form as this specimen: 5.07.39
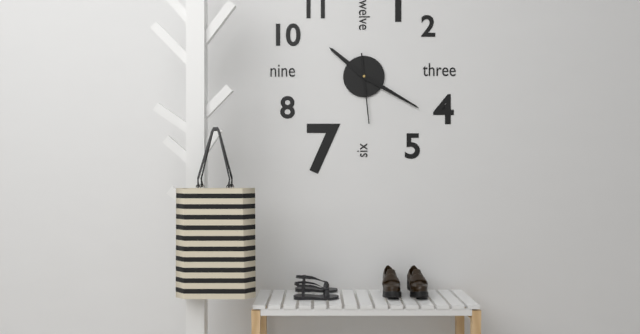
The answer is 10.20.29
